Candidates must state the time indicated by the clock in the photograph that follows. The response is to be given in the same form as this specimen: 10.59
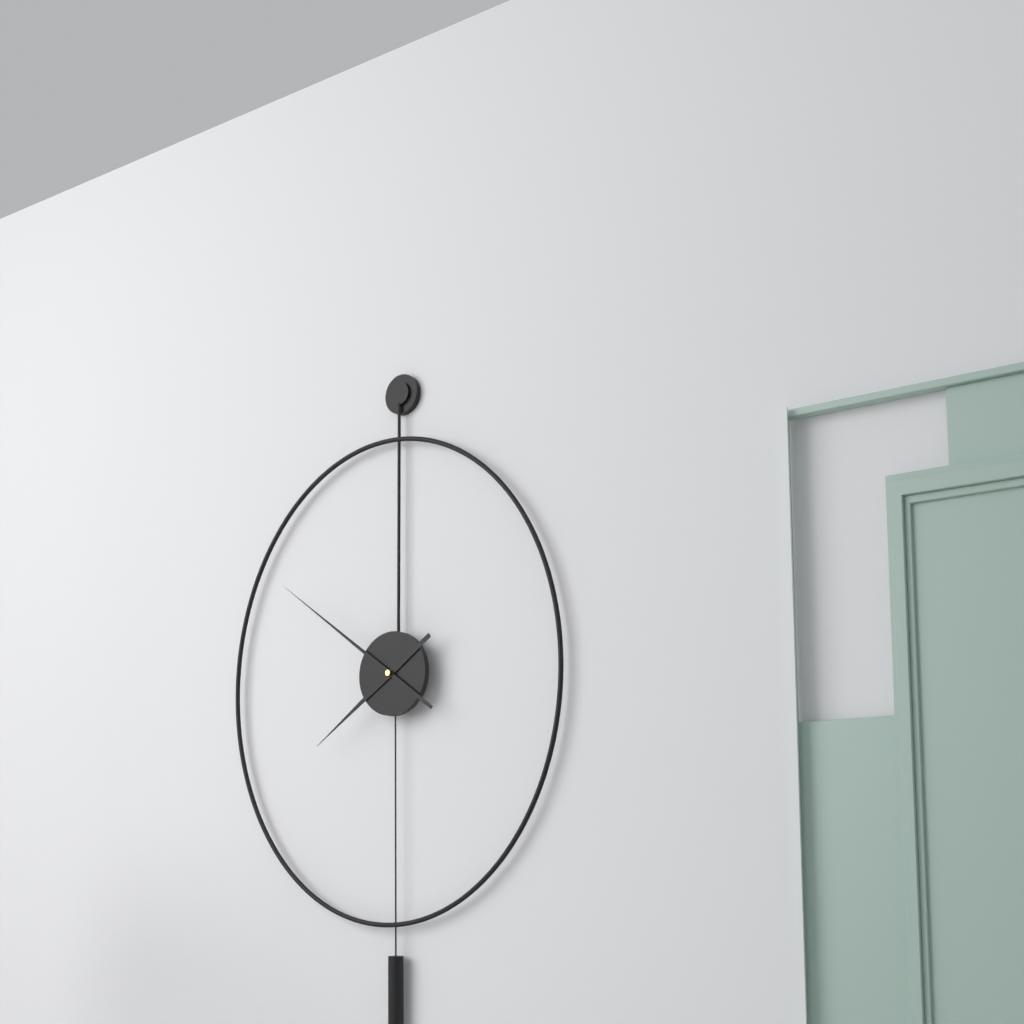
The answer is 7.51
